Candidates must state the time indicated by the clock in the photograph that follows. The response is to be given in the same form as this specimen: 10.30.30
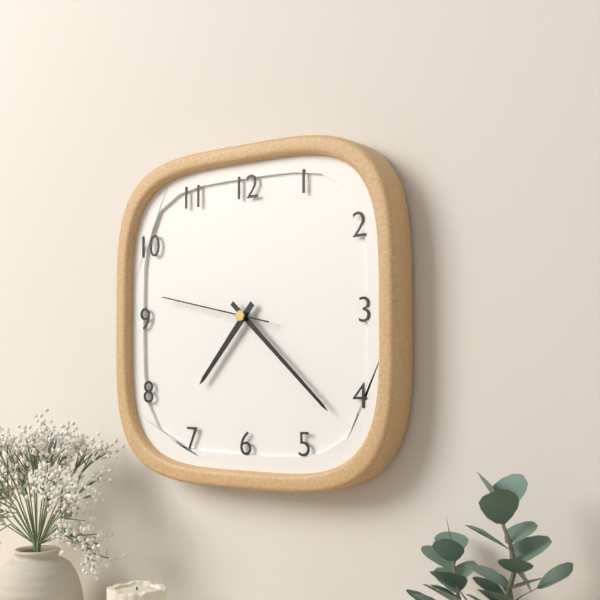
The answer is 7.22.47
